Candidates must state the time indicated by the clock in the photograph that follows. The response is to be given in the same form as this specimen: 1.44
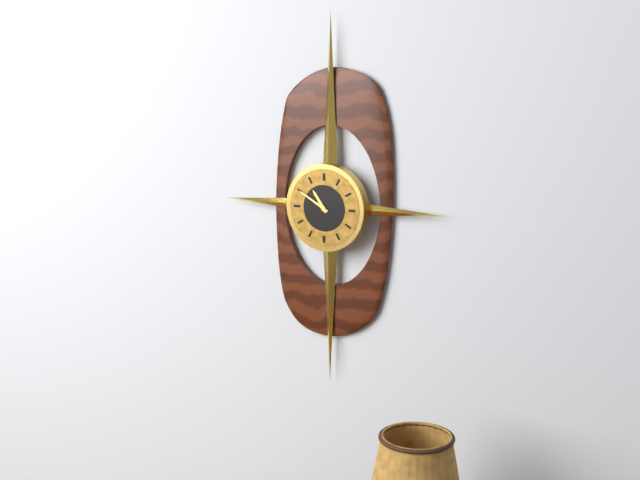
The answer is 10.50
